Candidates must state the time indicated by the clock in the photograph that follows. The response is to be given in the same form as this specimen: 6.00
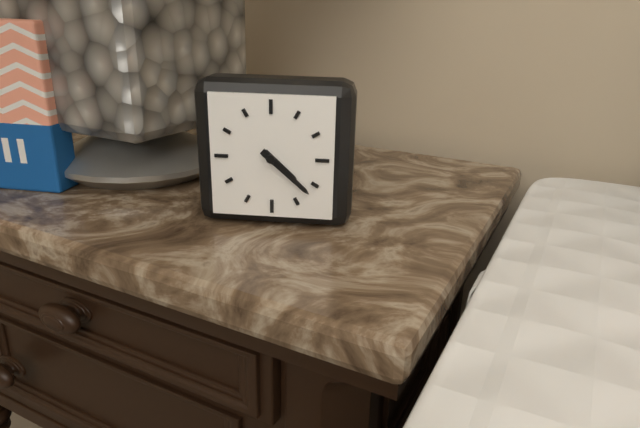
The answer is 4.22
